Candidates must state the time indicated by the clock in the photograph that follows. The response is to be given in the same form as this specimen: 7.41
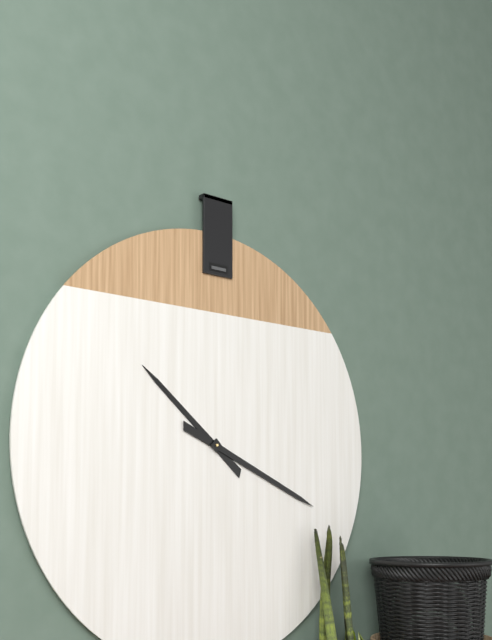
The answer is 10.19
